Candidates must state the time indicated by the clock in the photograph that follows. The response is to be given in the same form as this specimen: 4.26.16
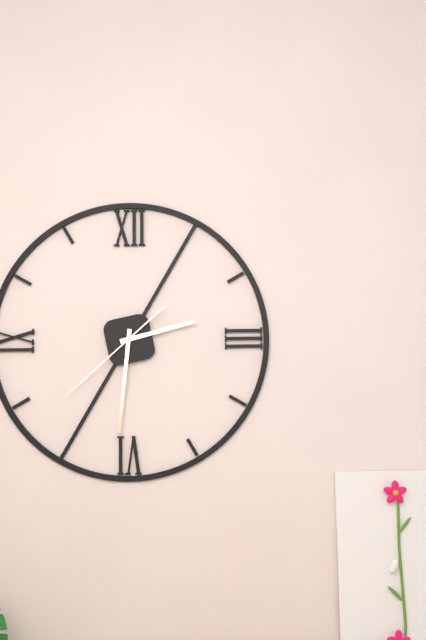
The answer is 2.31.38
